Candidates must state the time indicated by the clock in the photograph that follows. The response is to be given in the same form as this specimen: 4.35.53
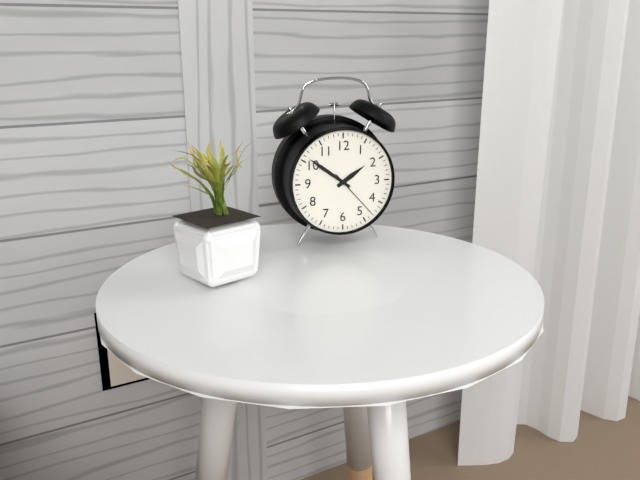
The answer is 1.51.23
